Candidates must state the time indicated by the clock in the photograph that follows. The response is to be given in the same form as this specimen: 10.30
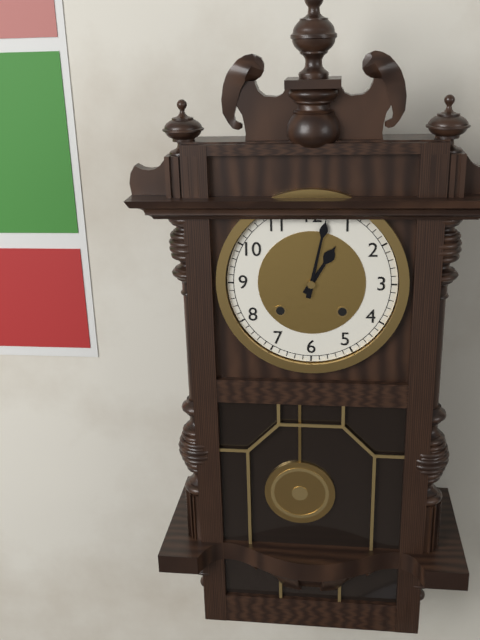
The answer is 1.02
